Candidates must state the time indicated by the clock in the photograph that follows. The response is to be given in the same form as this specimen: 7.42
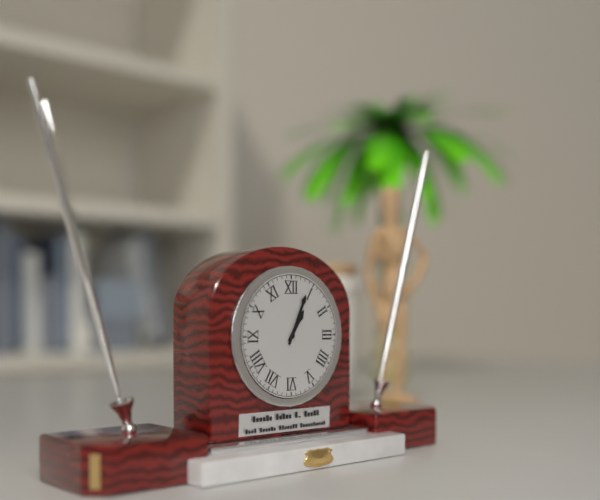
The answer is 1.04
